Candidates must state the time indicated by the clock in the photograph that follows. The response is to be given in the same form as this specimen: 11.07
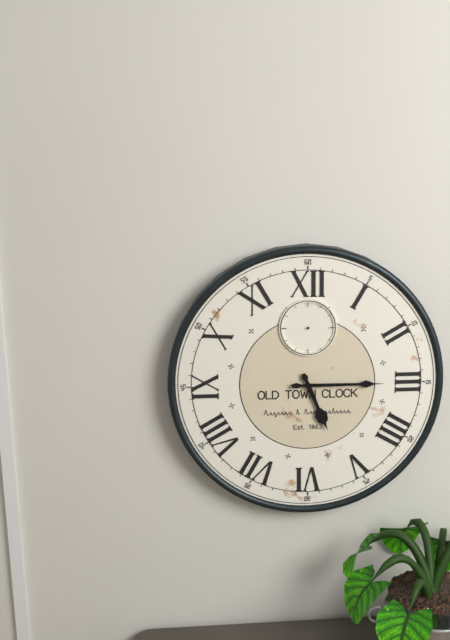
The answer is 5.15
